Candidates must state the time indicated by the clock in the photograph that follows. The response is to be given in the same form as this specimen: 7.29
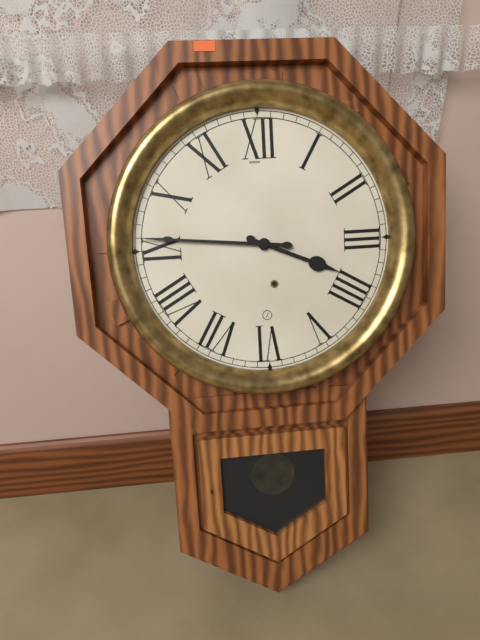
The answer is 3.46
